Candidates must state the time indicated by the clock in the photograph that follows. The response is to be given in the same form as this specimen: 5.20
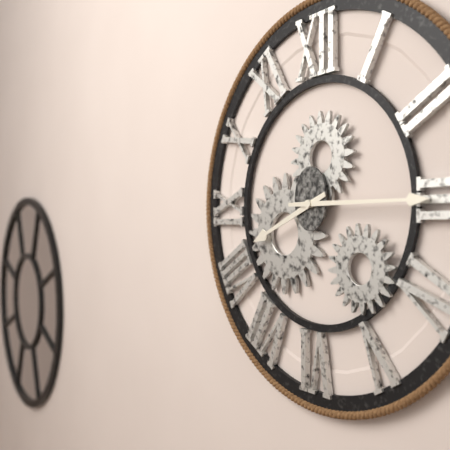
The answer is 8.15
